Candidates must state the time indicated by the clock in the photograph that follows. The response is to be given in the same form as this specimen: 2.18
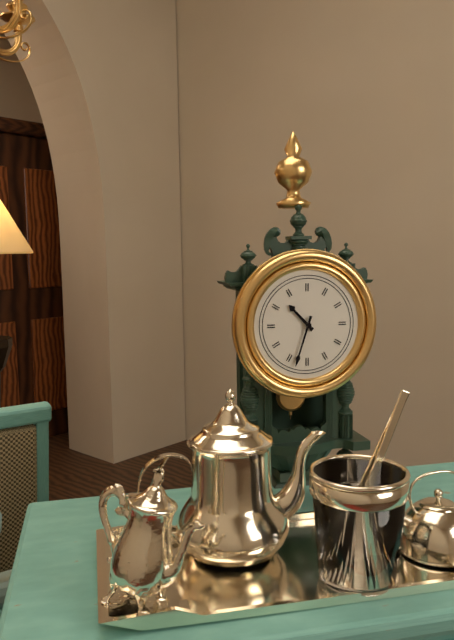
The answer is 10.33
